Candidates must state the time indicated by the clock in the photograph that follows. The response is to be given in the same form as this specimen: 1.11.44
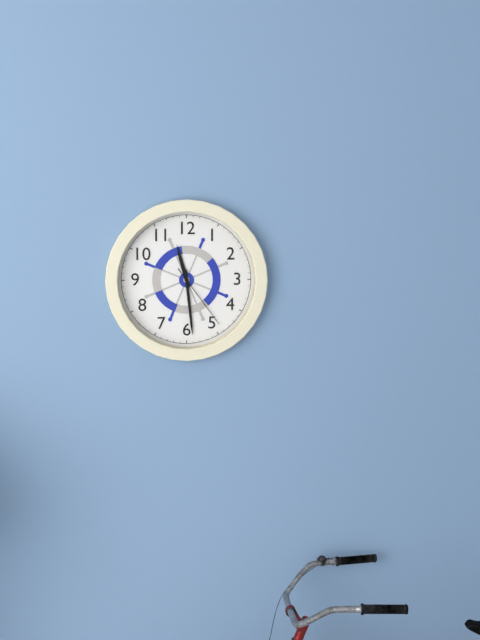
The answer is 11.29.24
